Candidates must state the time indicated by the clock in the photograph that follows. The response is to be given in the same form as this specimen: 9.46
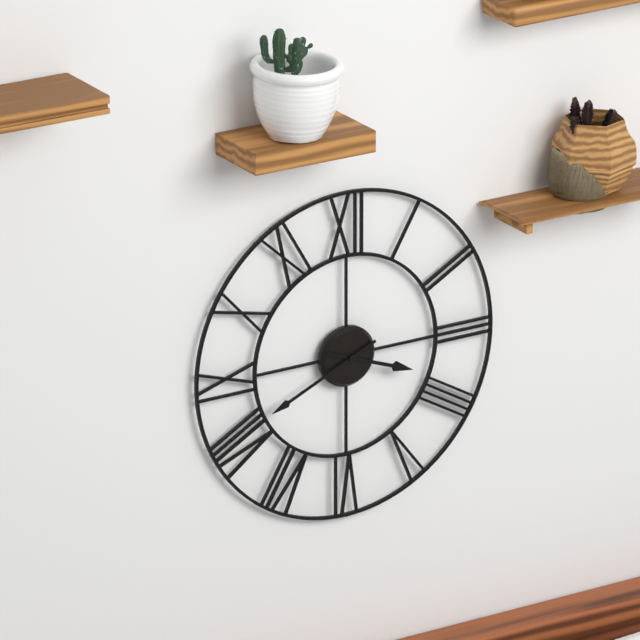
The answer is 3.41
